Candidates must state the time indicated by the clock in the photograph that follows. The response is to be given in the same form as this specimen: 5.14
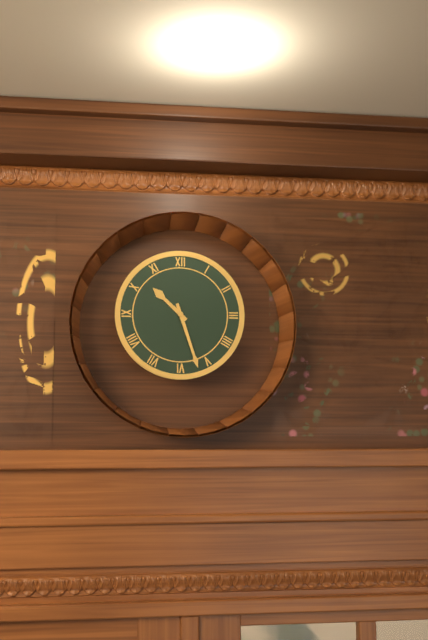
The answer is 10.27
